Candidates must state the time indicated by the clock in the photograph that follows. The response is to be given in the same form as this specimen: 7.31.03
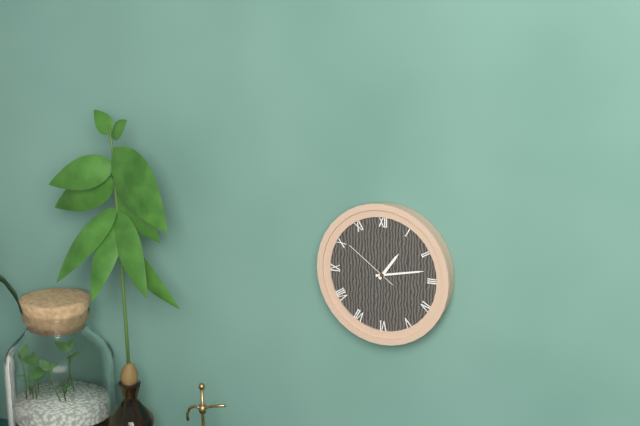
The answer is 1.13.51
